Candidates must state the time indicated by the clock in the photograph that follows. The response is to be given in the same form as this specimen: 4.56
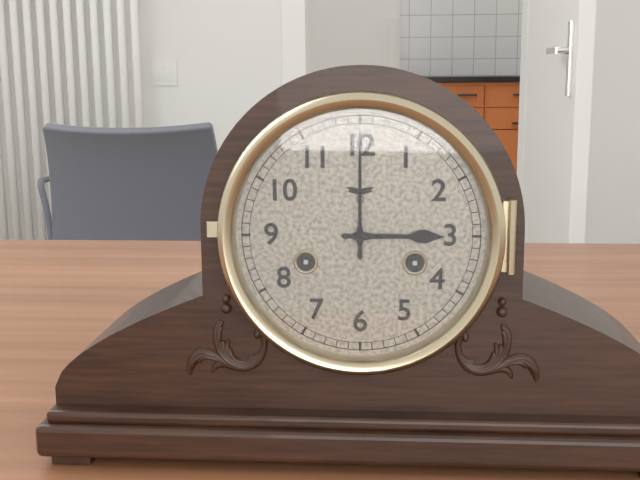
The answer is 3.00
